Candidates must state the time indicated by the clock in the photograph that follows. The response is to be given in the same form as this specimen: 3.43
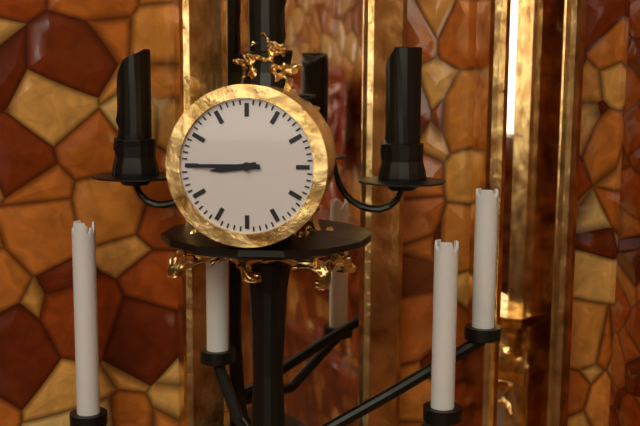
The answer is 8.45
